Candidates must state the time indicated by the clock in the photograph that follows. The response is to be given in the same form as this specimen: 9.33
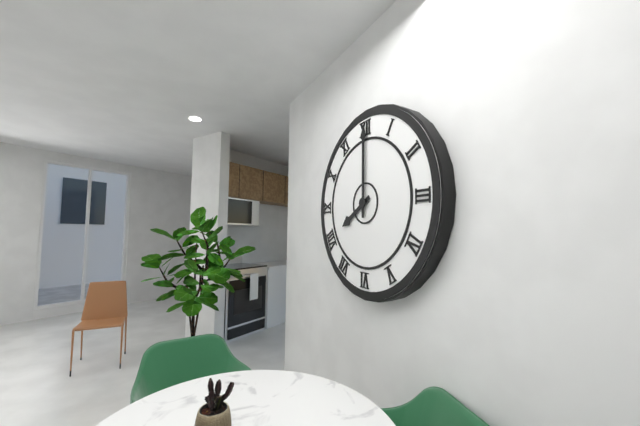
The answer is 8.00
